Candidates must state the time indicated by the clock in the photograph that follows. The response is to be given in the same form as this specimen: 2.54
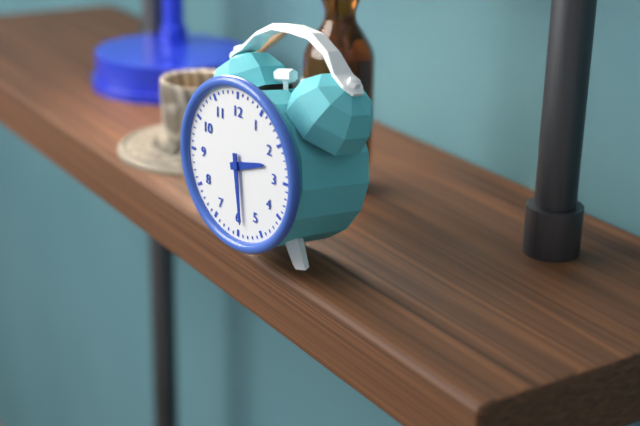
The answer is 2.29
